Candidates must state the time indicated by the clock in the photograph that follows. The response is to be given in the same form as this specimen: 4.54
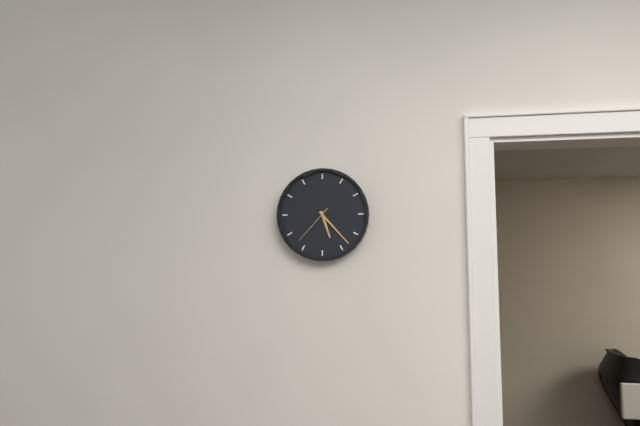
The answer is 5.23
